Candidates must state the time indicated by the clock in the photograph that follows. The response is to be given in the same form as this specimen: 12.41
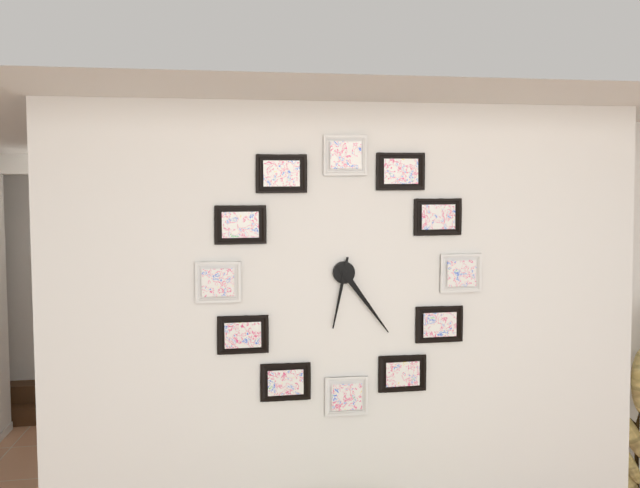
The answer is 6.24
